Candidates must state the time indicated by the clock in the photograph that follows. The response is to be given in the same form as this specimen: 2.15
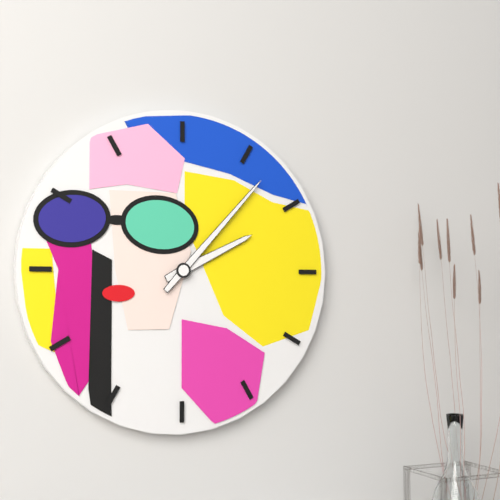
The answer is 2.07
